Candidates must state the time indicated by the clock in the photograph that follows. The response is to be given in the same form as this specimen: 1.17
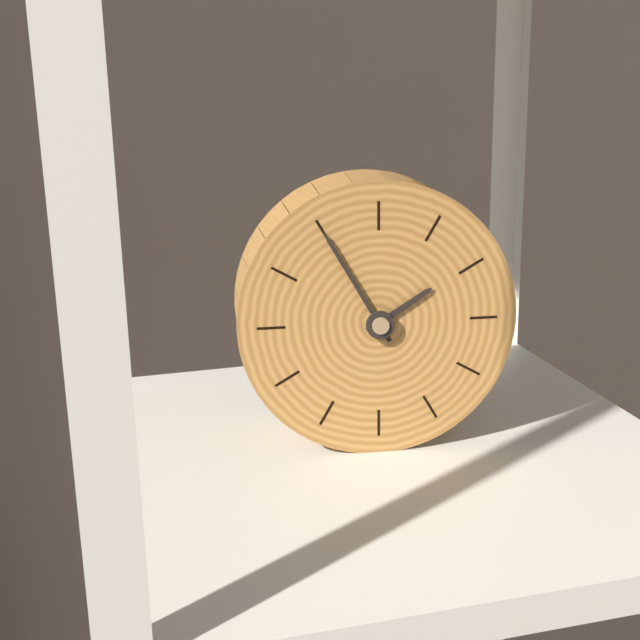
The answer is 1.55
